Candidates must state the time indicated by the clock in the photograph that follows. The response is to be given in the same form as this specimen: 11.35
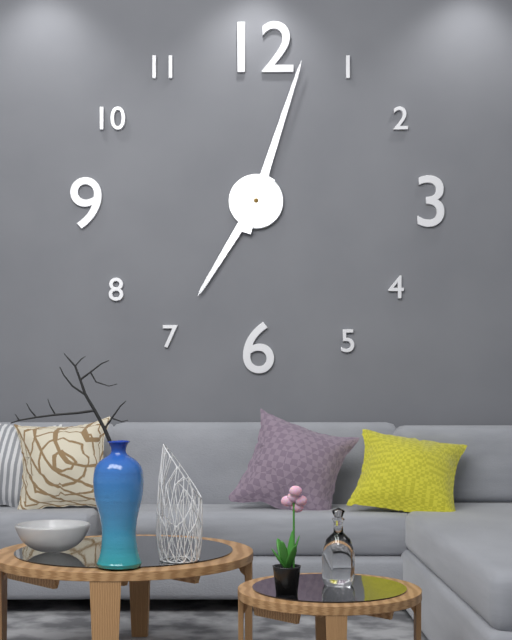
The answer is 7.03
